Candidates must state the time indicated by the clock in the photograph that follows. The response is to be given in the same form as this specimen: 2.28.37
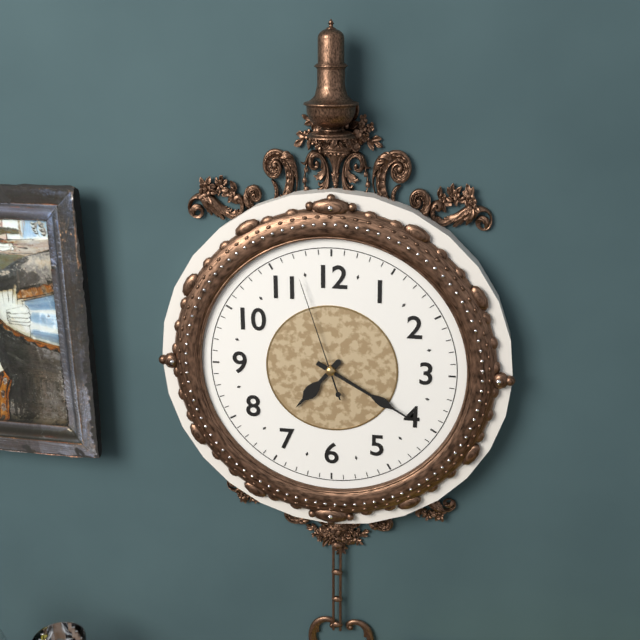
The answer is 7.20.57
